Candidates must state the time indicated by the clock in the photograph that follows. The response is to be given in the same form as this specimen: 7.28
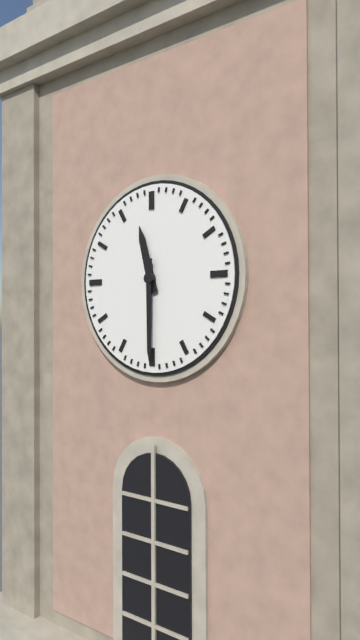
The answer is 11.30
